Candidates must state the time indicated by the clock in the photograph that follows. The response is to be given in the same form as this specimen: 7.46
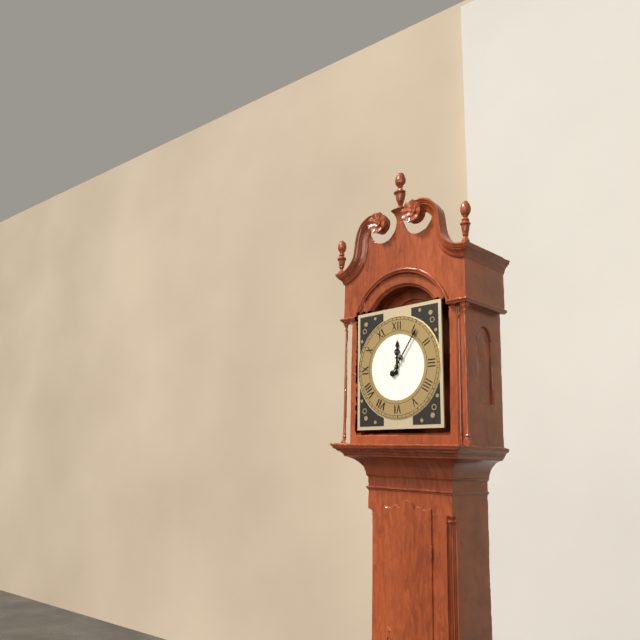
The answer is 12.06
